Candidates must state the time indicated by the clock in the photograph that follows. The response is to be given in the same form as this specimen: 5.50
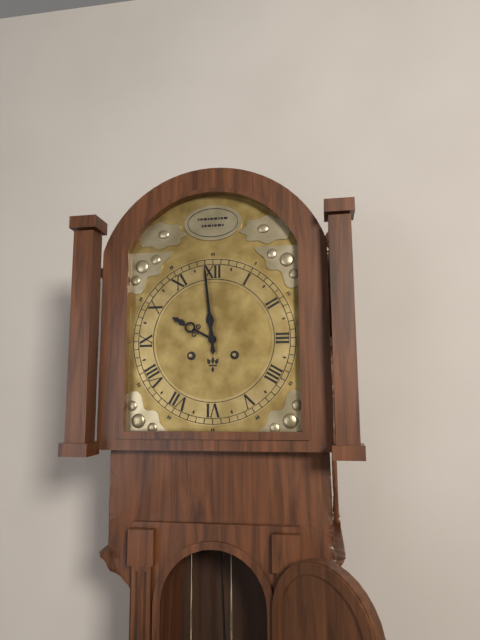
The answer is 9.59
